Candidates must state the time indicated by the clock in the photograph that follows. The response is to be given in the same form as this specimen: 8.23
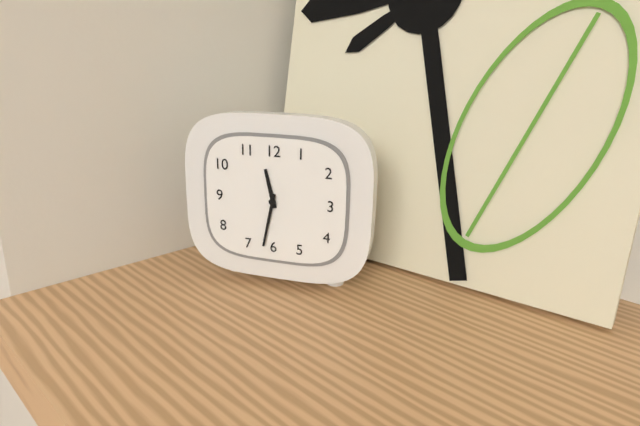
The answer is 11.32
